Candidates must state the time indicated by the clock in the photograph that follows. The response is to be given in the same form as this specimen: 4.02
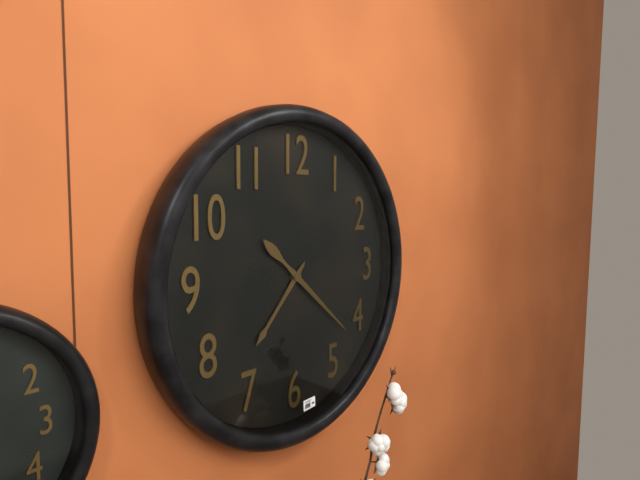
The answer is 7.22
